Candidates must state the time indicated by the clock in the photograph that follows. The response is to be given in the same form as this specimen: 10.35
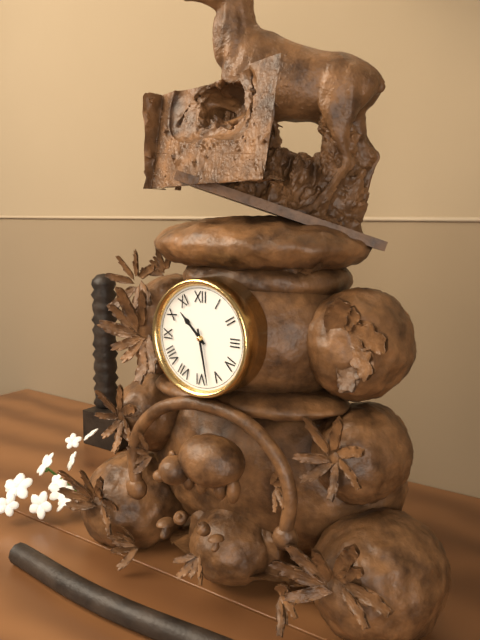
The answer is 10.28
